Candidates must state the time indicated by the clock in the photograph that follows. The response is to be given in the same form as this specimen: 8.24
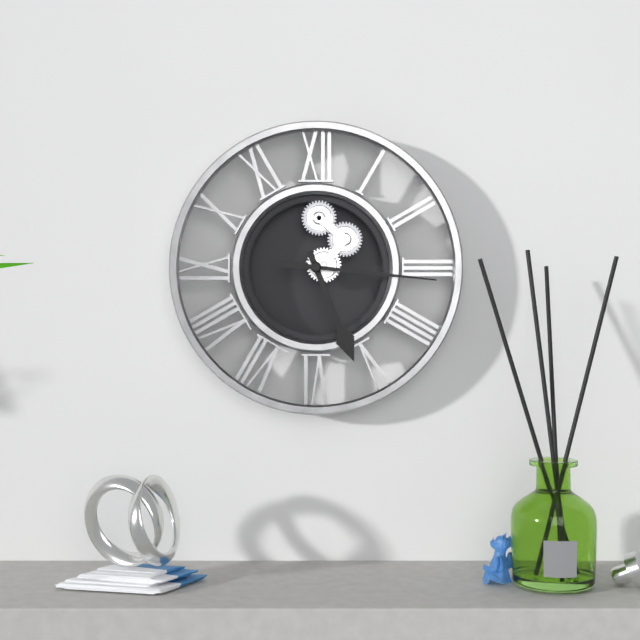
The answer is 5.16
